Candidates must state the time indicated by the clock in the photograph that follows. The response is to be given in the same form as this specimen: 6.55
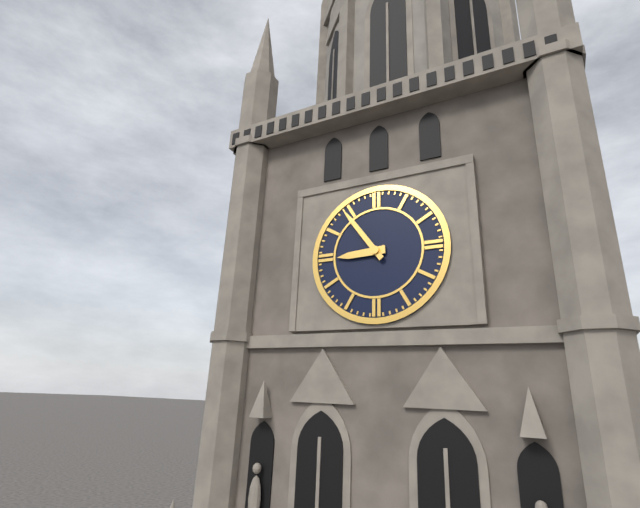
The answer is 8.54
